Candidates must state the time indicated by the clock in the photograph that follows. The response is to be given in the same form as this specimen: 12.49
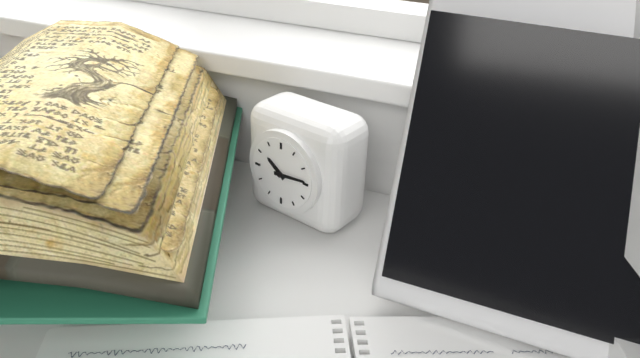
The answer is 10.14
